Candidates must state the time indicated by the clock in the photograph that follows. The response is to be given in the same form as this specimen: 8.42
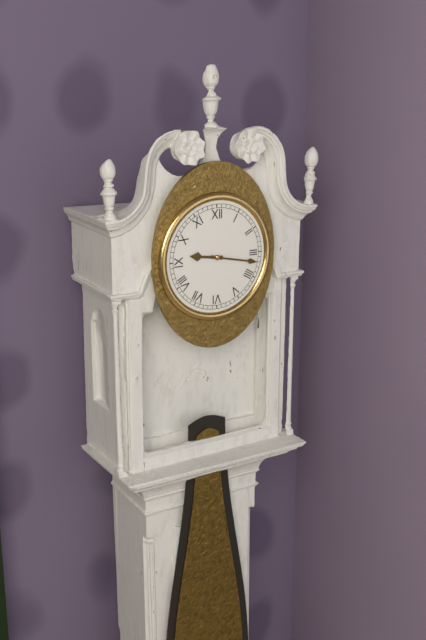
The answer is 9.17
